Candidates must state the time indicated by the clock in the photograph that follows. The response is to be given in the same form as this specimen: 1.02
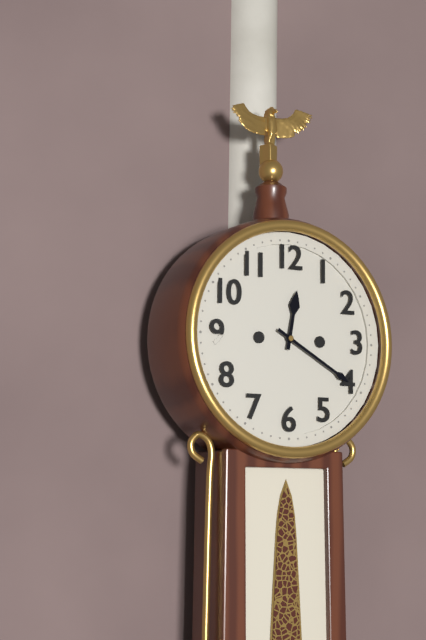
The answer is 12.20
